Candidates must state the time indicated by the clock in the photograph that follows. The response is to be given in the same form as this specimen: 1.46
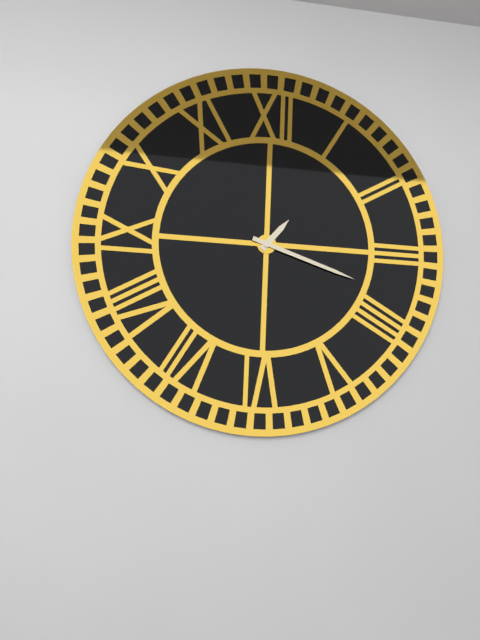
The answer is 1.18
